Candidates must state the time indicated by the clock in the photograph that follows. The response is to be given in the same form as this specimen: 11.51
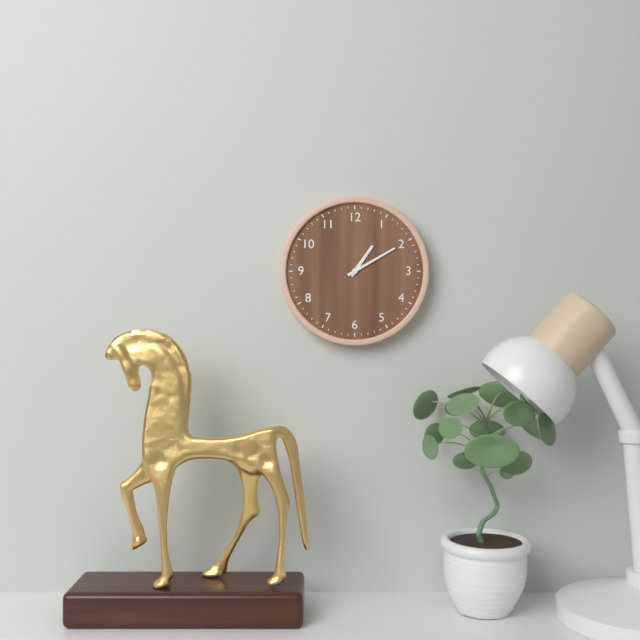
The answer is 1.10
